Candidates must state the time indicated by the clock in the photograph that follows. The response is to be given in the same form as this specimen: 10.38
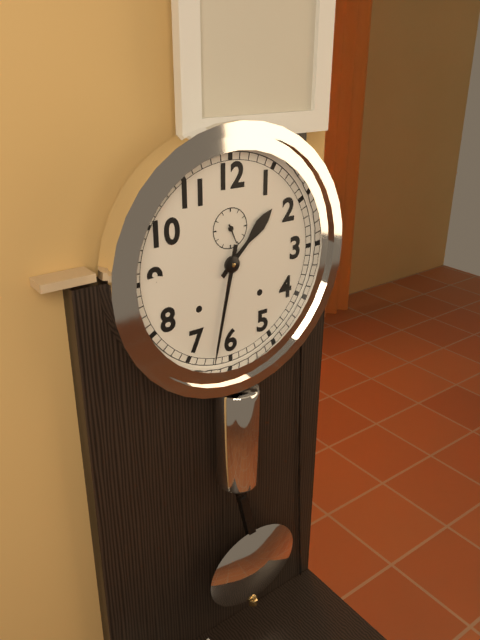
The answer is 1.32
